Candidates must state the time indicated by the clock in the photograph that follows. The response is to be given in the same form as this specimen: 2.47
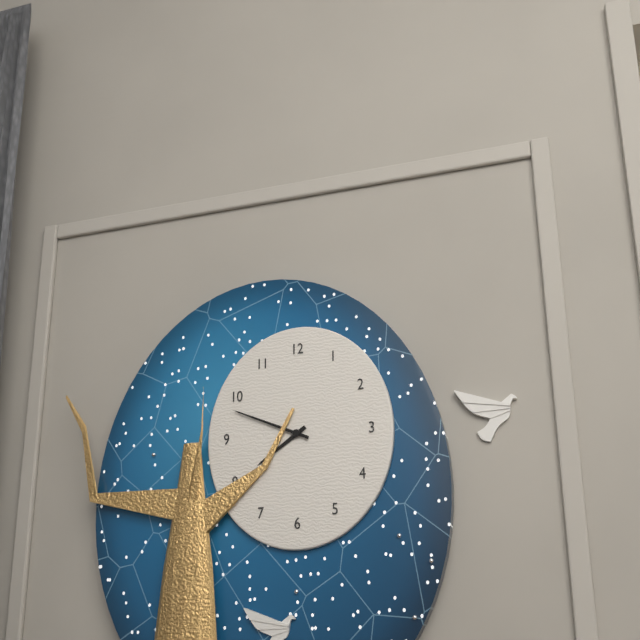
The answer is 7.49
